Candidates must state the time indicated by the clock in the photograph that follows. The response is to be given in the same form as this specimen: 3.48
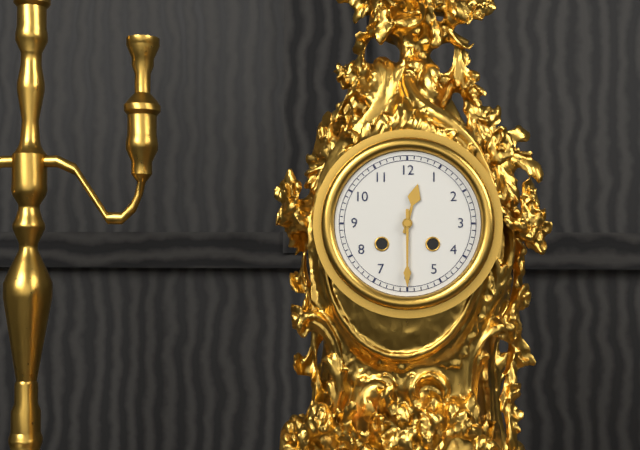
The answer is 12.30
